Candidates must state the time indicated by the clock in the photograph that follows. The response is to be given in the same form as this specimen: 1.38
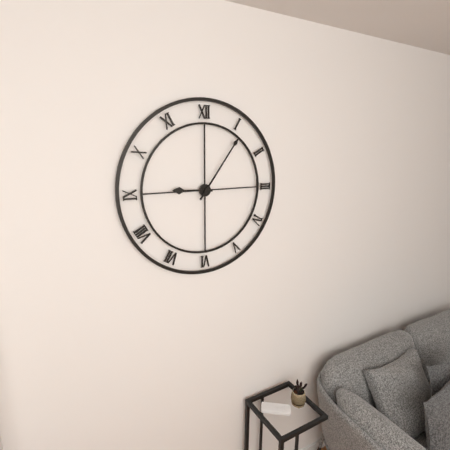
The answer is 9.06
